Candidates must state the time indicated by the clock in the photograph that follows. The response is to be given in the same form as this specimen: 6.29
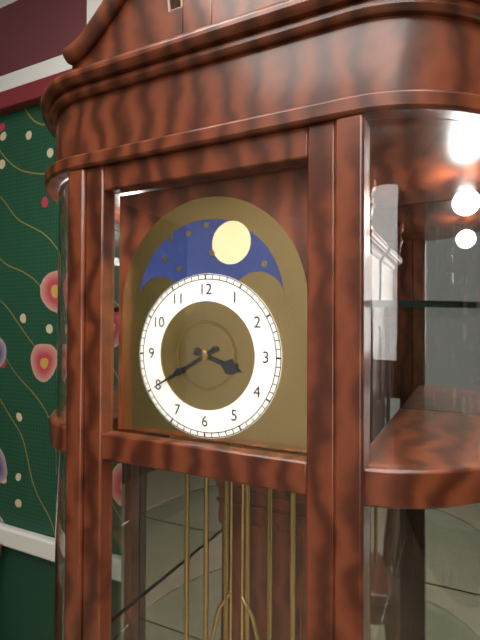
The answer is 3.40
